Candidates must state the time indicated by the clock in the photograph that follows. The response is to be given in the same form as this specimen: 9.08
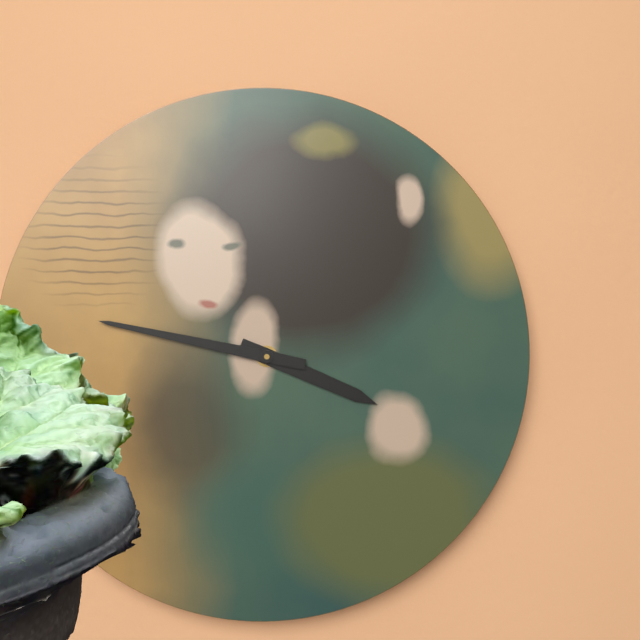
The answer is 3.47
